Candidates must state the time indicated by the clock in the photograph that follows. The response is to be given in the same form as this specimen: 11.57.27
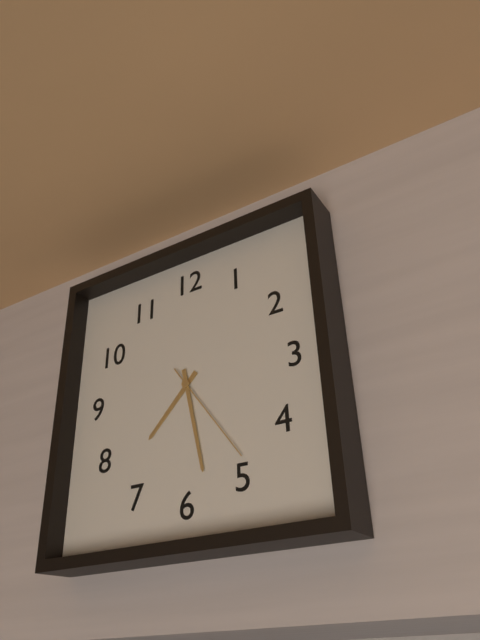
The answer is 7.28.24
